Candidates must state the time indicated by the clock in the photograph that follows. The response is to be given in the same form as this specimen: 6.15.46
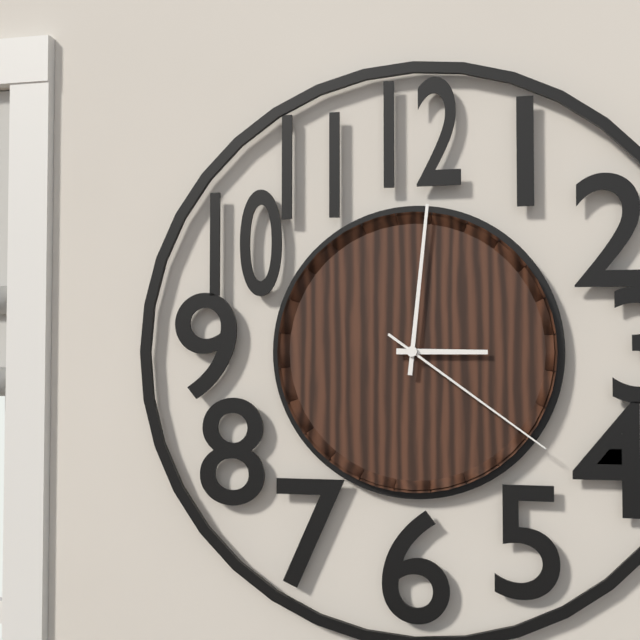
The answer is 3.01.21
